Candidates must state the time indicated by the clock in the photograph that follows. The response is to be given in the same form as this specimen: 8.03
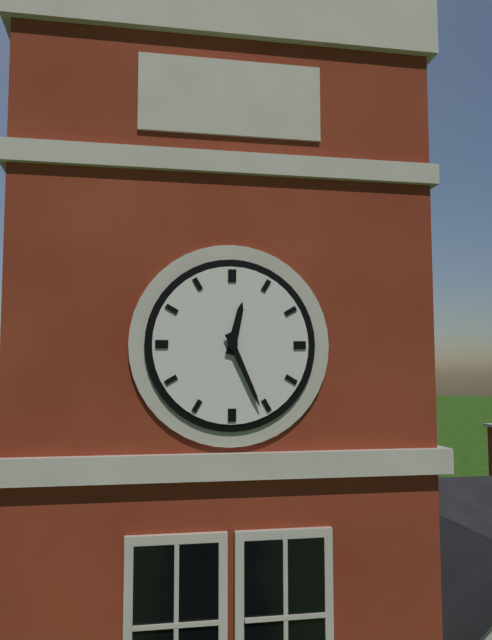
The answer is 12.26
